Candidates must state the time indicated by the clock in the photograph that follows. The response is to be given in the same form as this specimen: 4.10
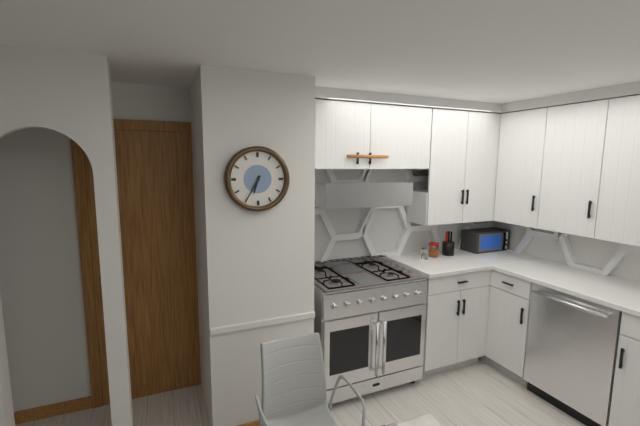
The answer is 6.35
